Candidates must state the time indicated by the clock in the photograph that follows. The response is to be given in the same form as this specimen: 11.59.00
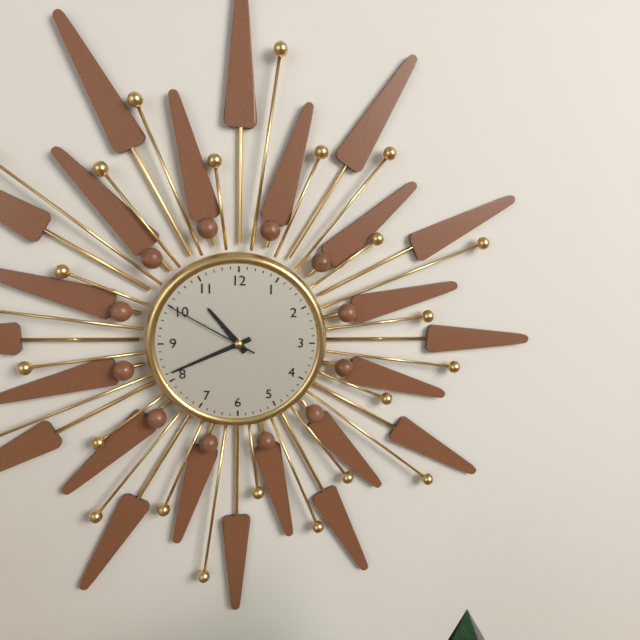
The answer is 10.41.50
